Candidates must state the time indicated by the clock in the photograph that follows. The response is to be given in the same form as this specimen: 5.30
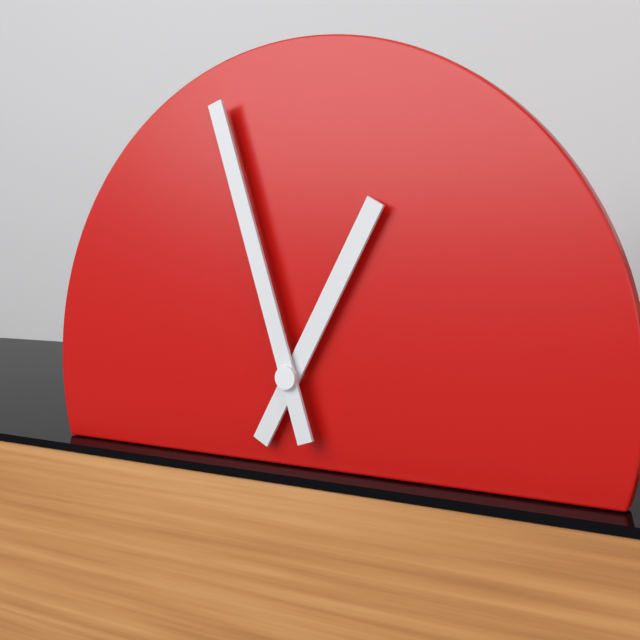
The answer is 12.57
